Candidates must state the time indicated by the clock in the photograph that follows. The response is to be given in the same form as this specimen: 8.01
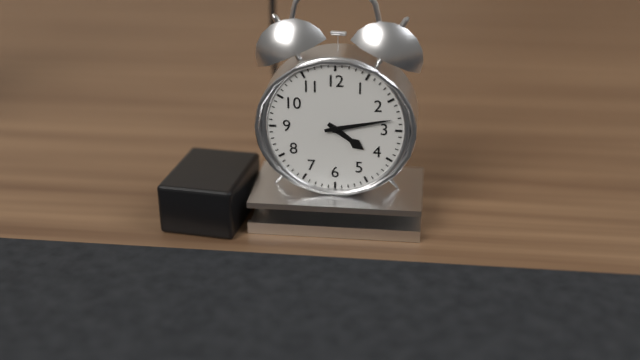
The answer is 4.13
